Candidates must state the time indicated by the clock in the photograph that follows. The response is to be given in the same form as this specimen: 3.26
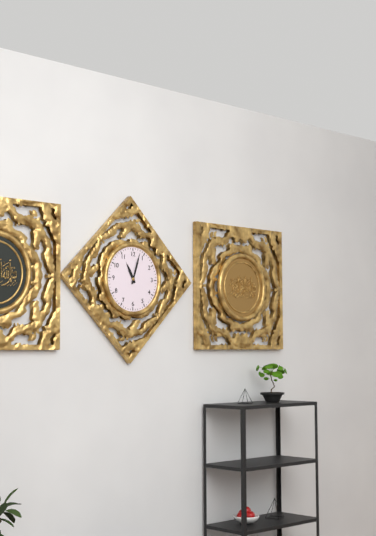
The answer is 11.03
